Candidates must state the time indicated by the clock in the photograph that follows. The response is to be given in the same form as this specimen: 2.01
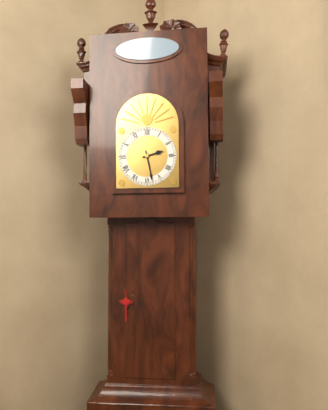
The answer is 2.28
